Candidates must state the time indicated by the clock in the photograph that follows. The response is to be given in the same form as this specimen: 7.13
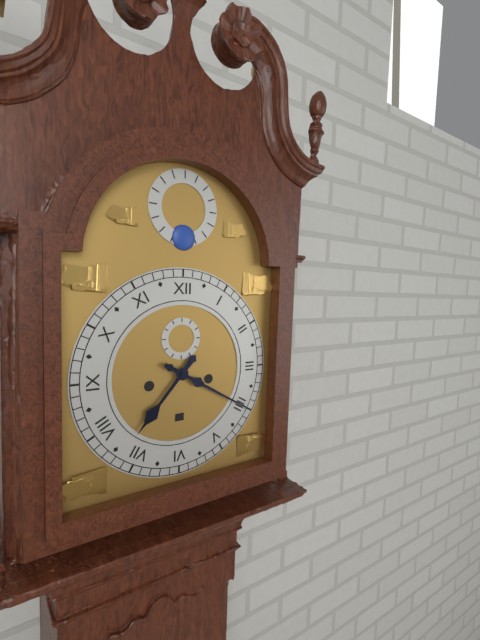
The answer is 7.20
